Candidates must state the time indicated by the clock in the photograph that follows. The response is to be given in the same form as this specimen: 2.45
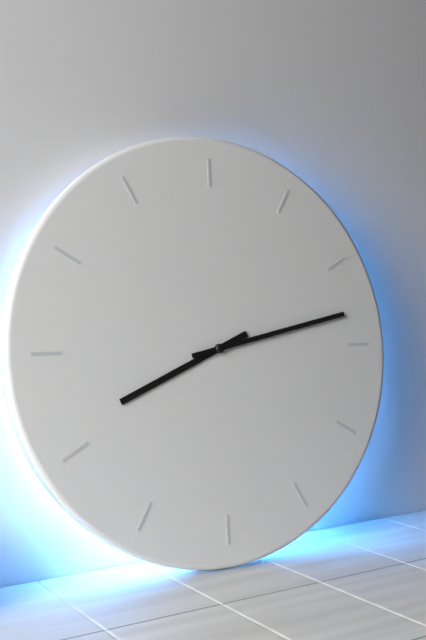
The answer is 8.13
